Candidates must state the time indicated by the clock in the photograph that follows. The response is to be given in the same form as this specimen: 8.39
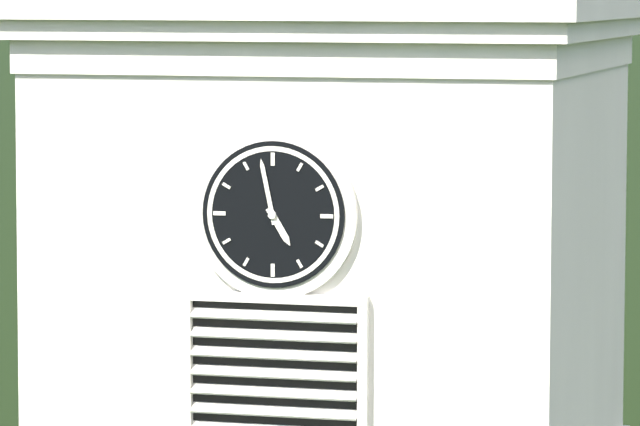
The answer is 4.58
